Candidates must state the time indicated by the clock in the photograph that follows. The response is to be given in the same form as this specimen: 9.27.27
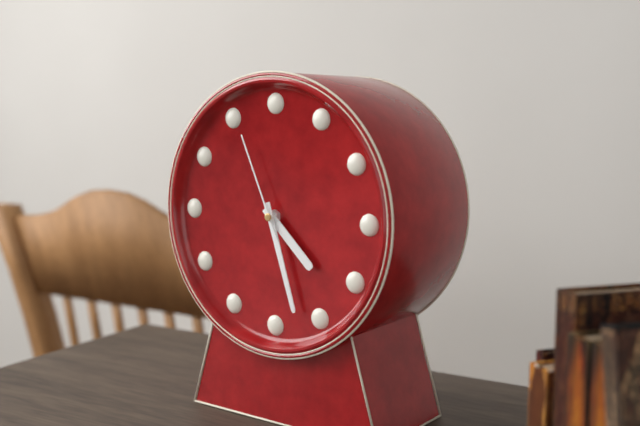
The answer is 4.27.56
